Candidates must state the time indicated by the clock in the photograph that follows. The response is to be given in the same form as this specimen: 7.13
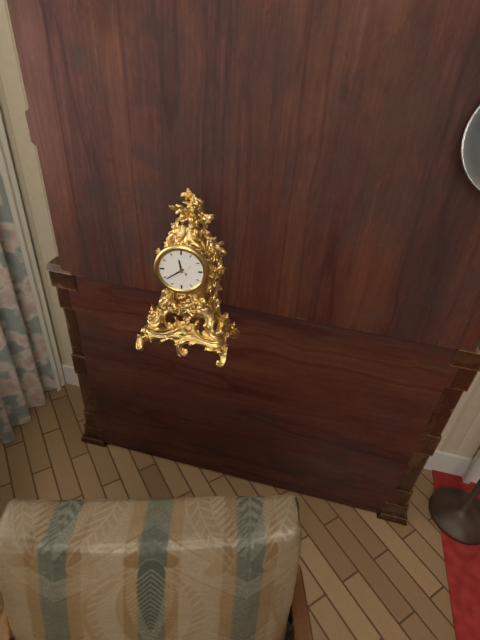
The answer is 11.39
